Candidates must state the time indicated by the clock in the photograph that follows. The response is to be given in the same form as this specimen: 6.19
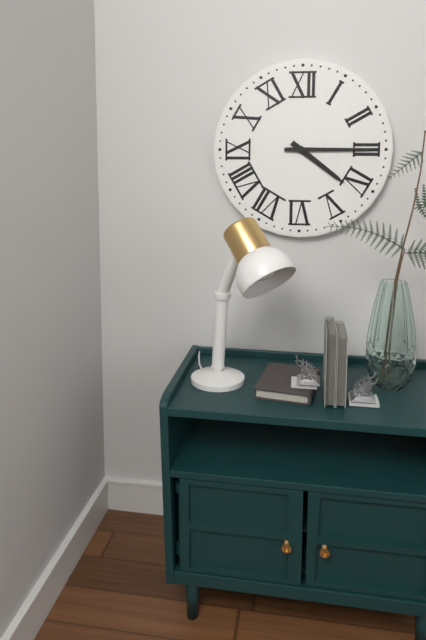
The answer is 4.15
